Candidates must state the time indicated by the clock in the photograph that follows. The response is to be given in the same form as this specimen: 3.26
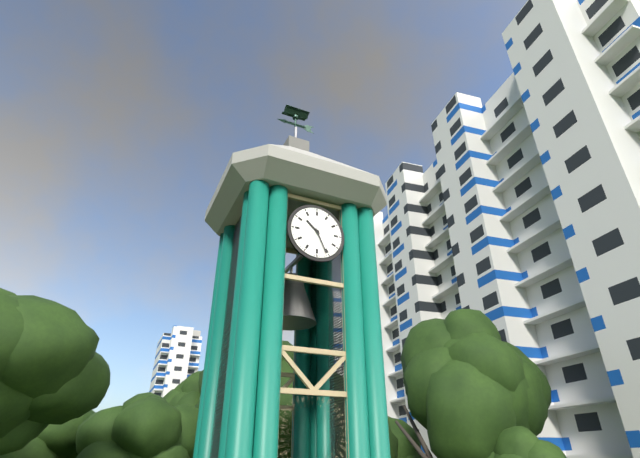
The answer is 10.26
